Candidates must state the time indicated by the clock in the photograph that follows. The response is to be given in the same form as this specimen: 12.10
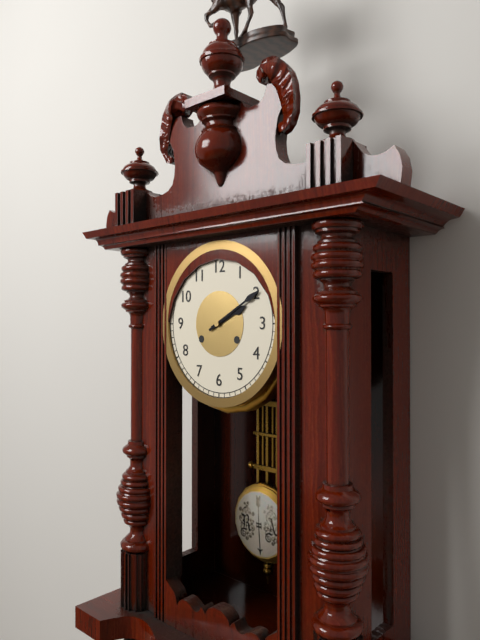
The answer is 2.10
